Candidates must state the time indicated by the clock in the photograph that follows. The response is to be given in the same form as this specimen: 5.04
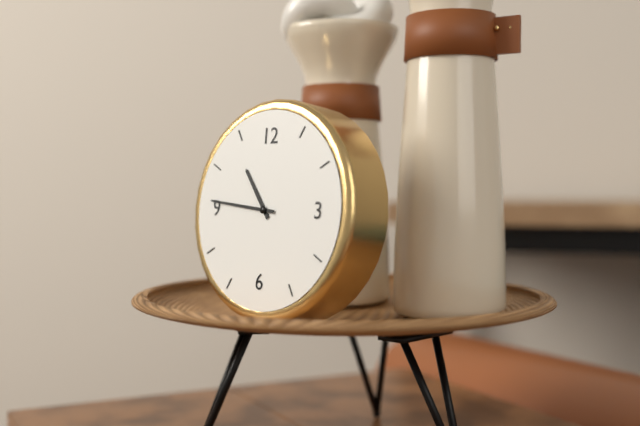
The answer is 10.46
